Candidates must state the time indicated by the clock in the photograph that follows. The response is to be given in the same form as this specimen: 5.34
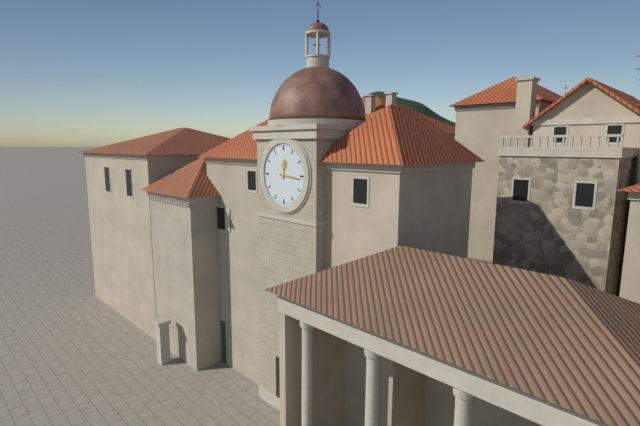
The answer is 12.16
